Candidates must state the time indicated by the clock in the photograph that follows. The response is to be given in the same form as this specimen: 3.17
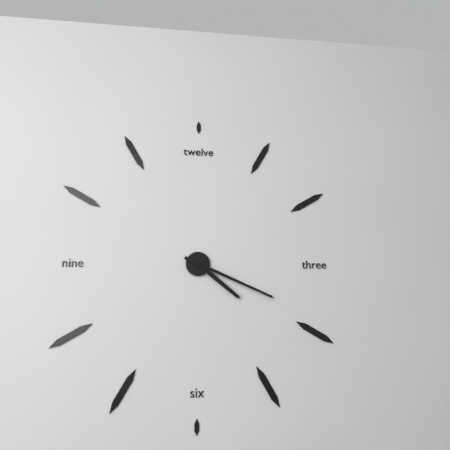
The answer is 4.19
